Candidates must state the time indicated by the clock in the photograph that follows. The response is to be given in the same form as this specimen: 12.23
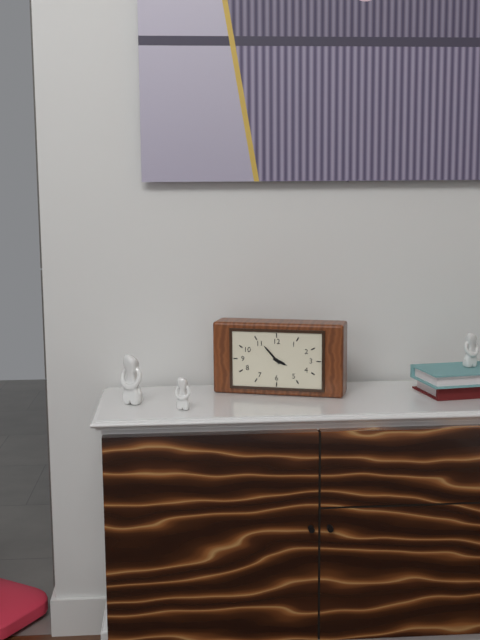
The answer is 3.53
